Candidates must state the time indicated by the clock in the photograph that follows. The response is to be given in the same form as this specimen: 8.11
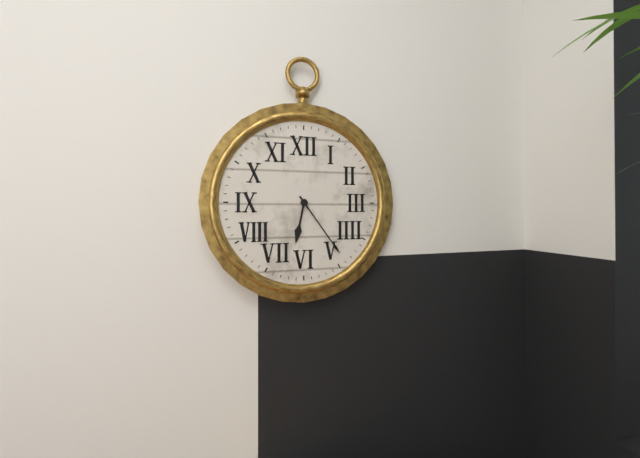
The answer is 6.24
